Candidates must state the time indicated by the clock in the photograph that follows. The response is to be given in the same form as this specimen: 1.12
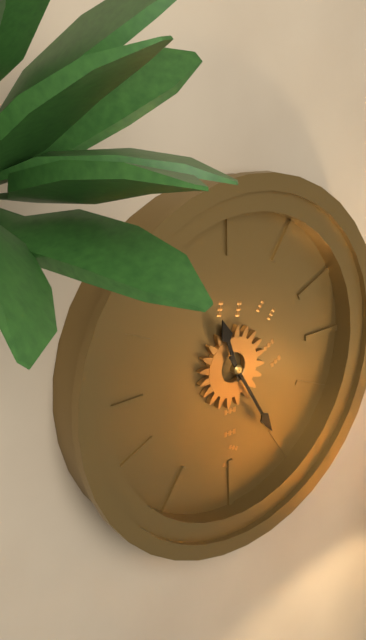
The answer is 11.25
